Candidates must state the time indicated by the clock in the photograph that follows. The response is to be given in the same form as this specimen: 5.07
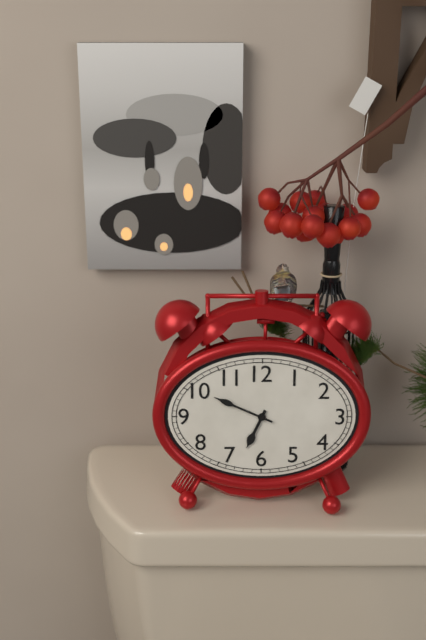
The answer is 6.49
